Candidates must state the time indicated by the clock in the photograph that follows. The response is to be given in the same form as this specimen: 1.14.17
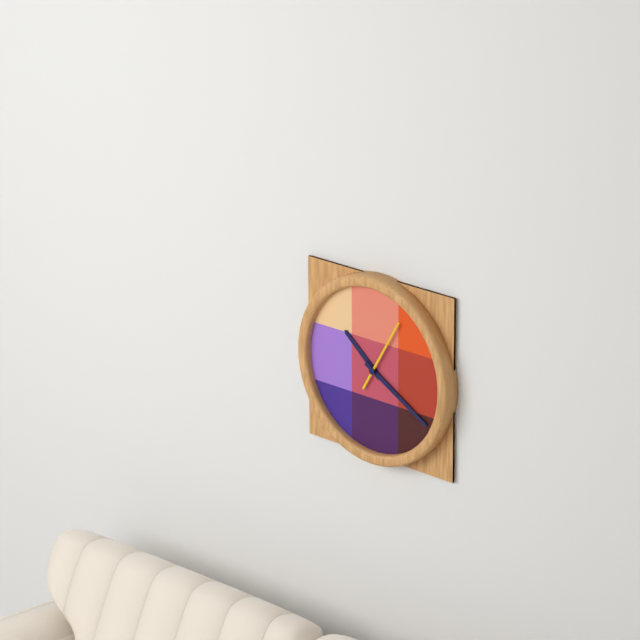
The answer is 10.20.05
